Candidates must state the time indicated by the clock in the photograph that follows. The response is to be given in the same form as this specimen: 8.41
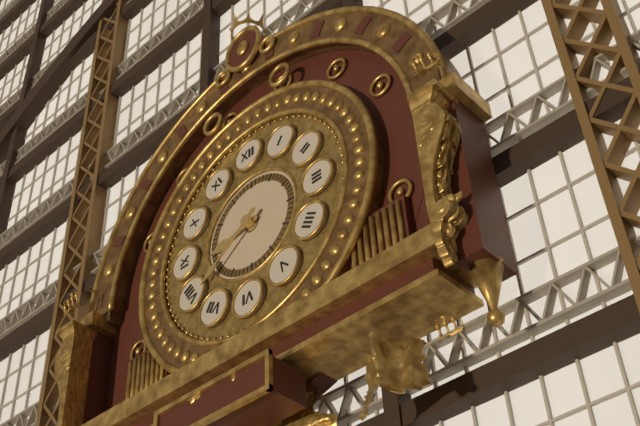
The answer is 8.39
